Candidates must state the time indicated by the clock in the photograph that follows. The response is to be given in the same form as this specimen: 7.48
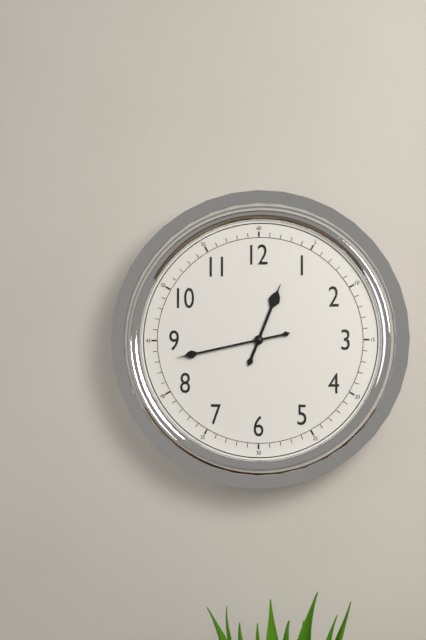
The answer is 12.43
